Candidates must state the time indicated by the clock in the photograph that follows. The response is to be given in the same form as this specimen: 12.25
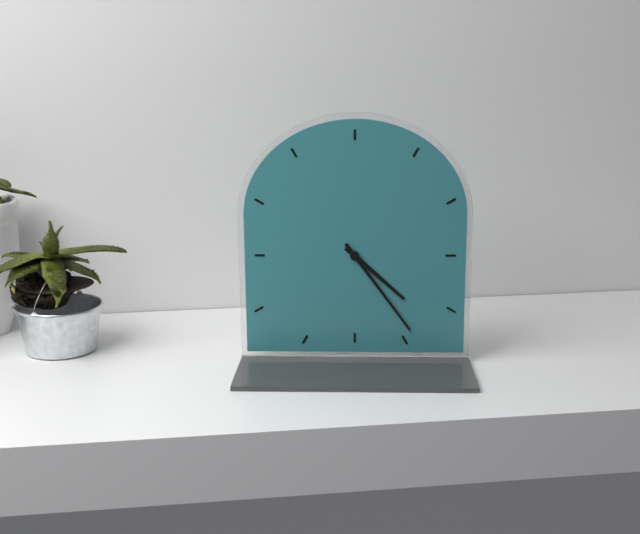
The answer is 4.24
